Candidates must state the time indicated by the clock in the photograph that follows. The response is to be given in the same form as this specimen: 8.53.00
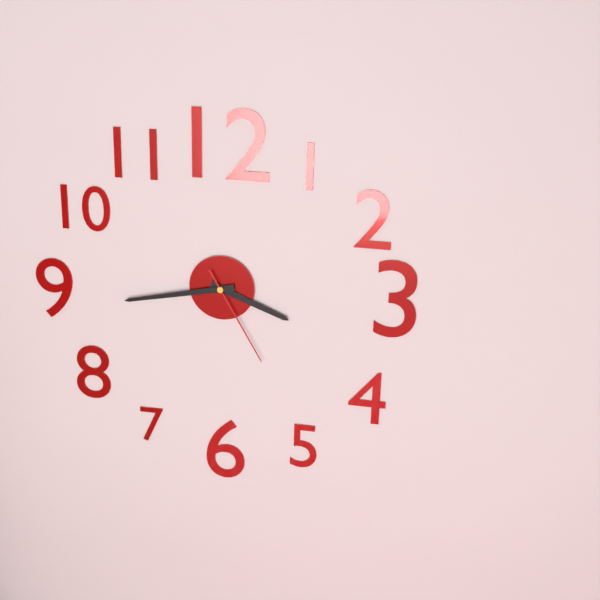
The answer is 3.43.25
